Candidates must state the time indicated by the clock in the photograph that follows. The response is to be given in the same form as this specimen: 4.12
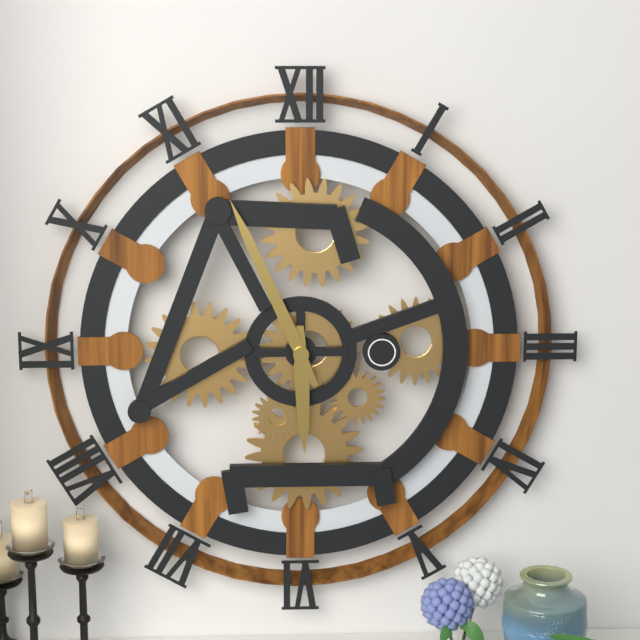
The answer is 5.56
